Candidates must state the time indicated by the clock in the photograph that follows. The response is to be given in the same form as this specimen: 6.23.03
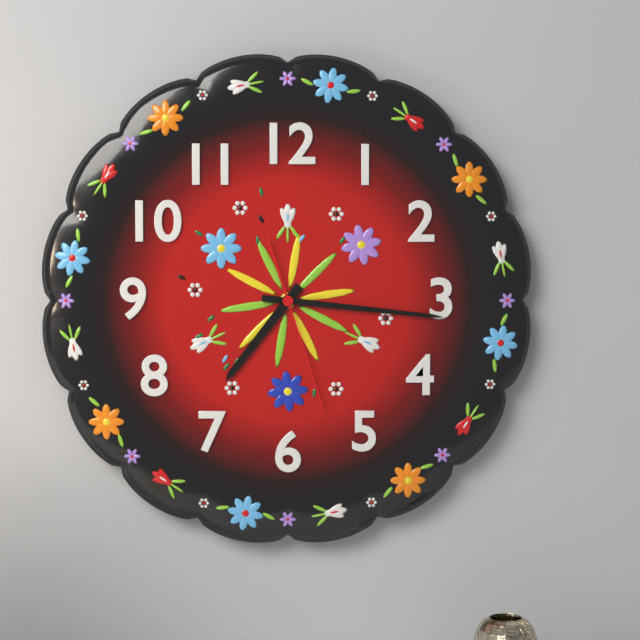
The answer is 7.16.27
